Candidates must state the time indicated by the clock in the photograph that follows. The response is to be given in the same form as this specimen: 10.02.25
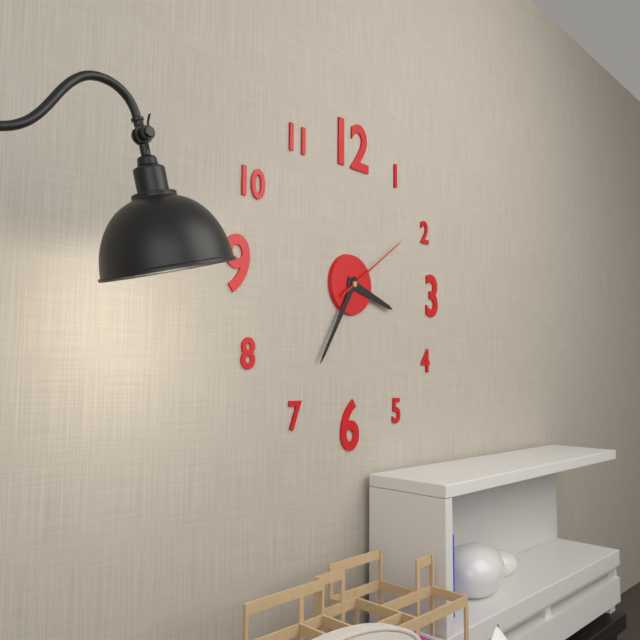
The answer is 3.35.09
